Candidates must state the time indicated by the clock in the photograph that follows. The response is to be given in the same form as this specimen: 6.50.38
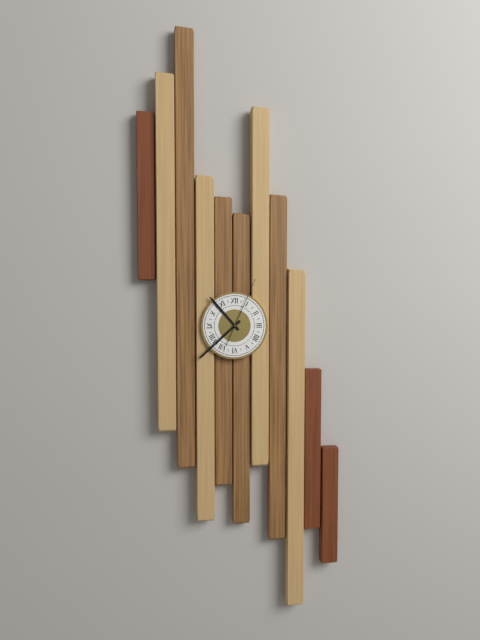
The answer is 10.38.04
